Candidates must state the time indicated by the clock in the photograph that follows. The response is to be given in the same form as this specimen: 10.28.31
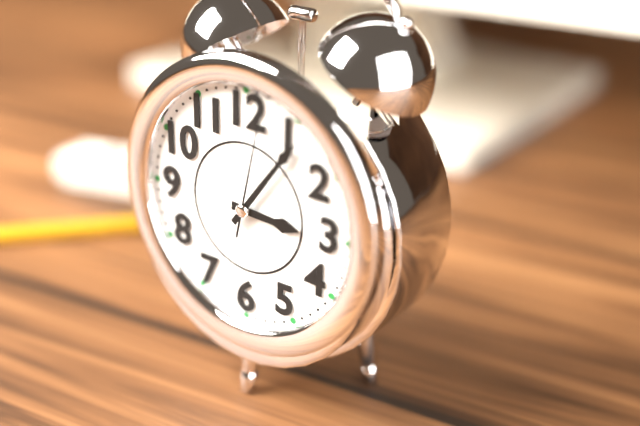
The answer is 3.06.02
